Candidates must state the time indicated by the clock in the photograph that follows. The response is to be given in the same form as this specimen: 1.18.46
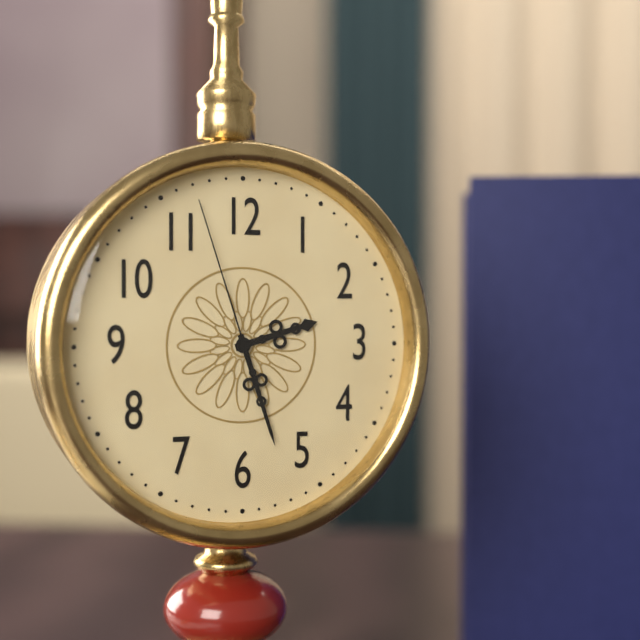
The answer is 2.27.57
